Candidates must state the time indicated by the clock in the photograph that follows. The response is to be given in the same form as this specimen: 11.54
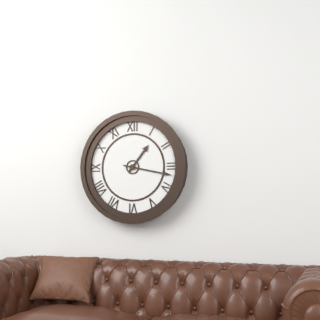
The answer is 1.17
